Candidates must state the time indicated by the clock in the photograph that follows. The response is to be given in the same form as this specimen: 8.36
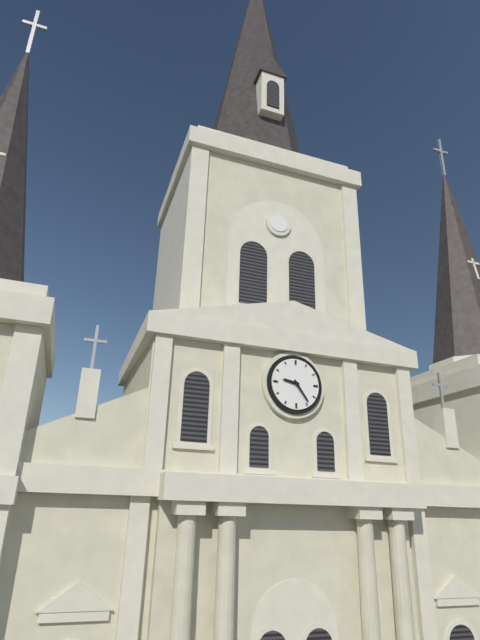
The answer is 9.24
